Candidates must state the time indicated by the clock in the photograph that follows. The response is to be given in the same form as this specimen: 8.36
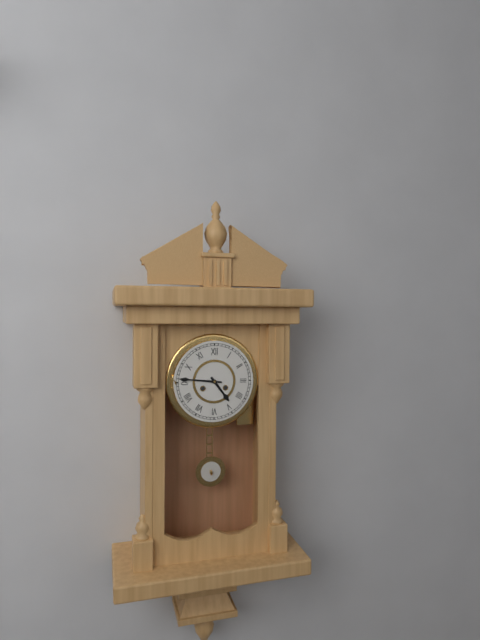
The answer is 4.46
